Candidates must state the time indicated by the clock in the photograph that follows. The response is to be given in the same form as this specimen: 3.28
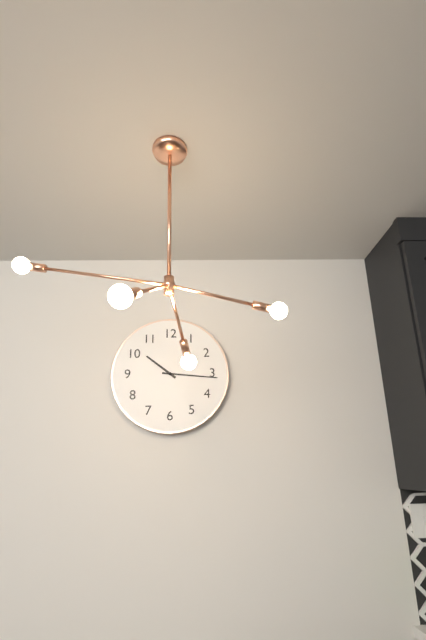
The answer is 10.16
